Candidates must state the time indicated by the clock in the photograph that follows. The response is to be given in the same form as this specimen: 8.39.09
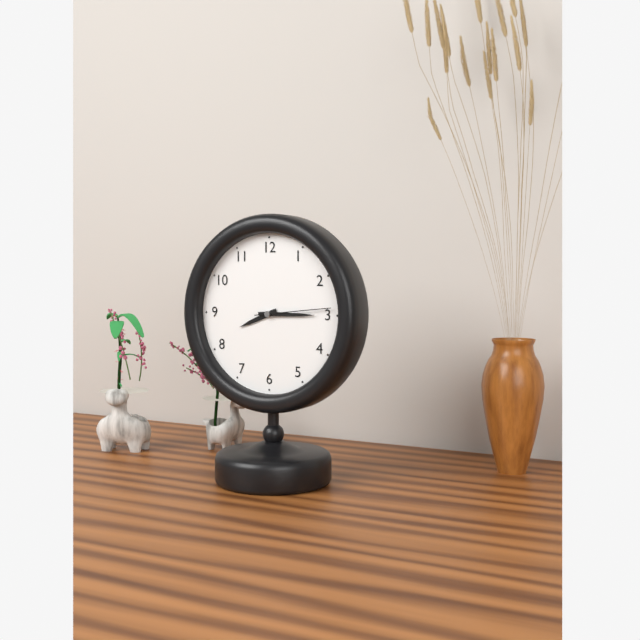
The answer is 8.15.14
